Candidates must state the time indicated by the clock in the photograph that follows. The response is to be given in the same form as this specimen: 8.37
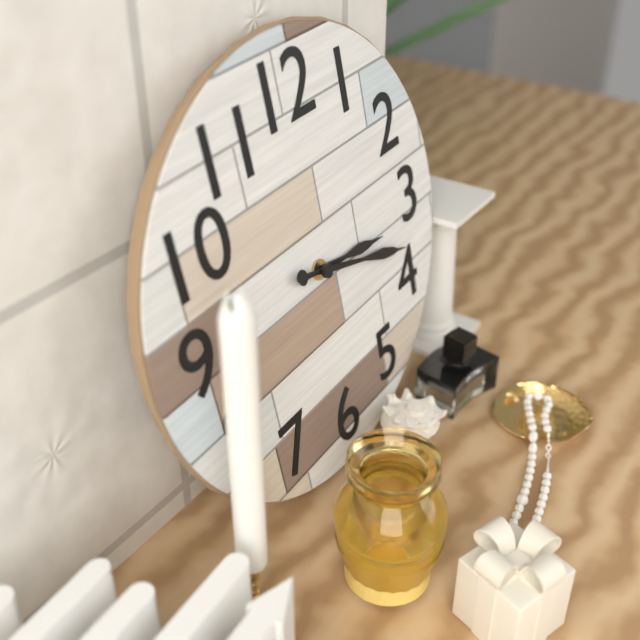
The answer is 3.18
